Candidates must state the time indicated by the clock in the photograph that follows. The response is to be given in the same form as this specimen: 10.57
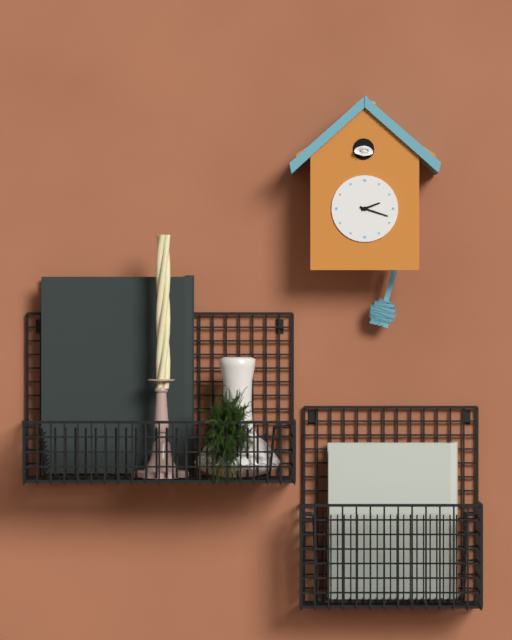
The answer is 2.18
